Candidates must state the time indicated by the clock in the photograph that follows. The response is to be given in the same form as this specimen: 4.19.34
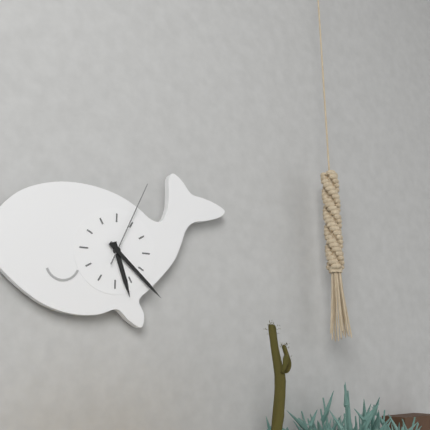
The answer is 5.22.04
